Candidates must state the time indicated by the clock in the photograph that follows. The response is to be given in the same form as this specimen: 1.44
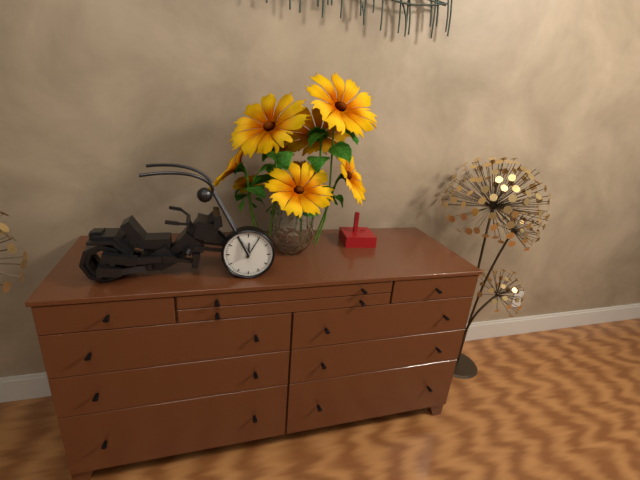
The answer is 12.05
